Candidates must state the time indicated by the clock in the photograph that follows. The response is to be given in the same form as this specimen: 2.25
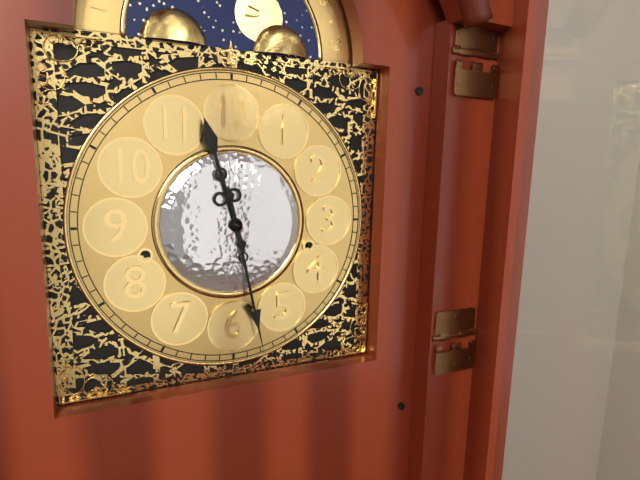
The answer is 11.28
